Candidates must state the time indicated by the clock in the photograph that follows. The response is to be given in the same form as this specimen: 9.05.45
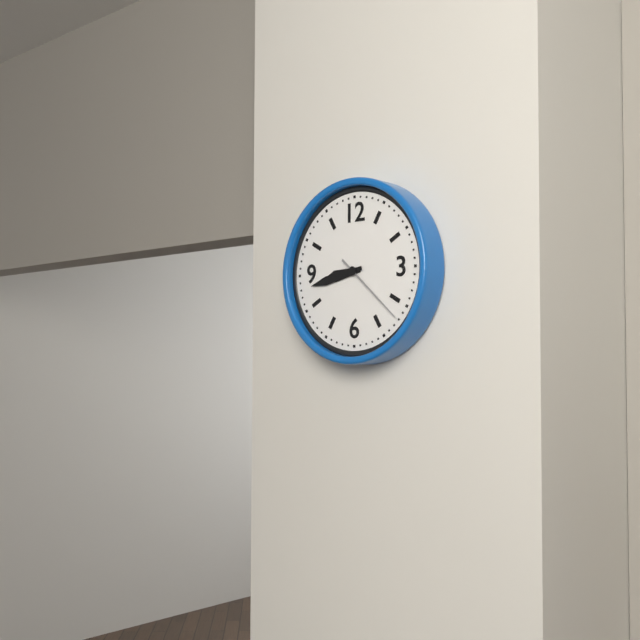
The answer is 8.43.22
